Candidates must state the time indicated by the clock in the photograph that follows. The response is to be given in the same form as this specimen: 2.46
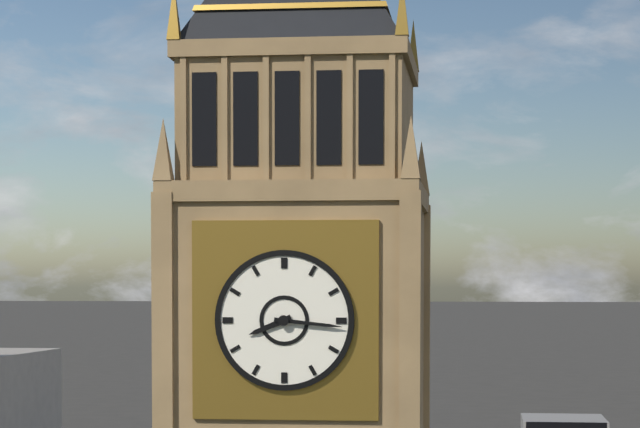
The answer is 8.16
